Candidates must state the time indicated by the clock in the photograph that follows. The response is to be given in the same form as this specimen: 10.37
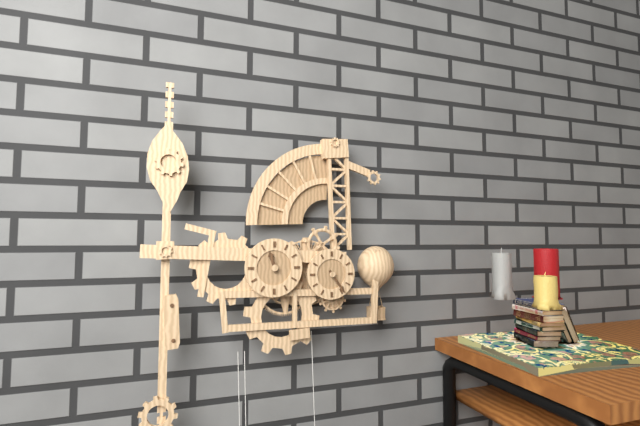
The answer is 11.24
